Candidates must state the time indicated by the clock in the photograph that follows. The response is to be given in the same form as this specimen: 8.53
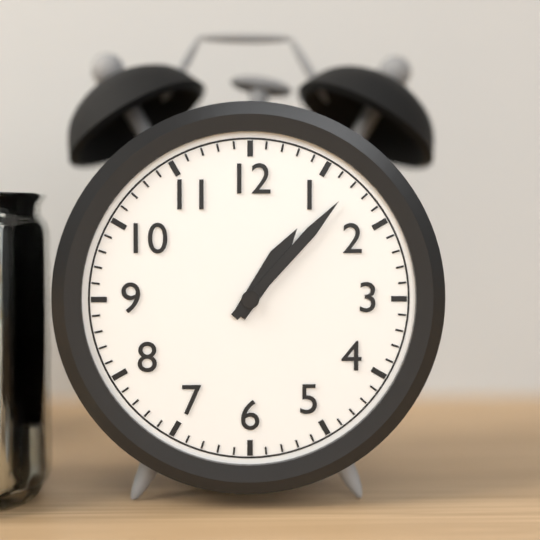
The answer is 1.07
